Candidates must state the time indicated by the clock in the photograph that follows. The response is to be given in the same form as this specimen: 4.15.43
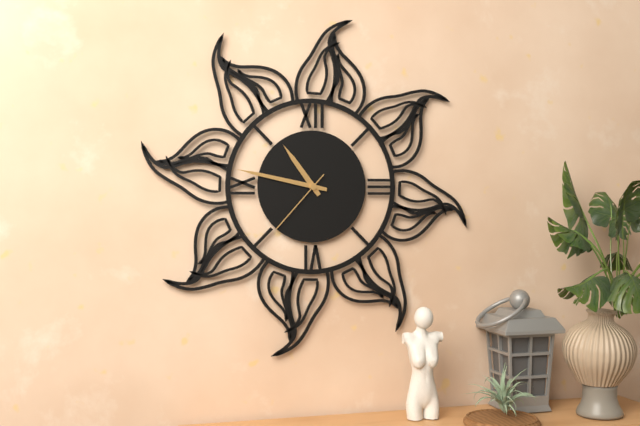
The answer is 10.47.37
